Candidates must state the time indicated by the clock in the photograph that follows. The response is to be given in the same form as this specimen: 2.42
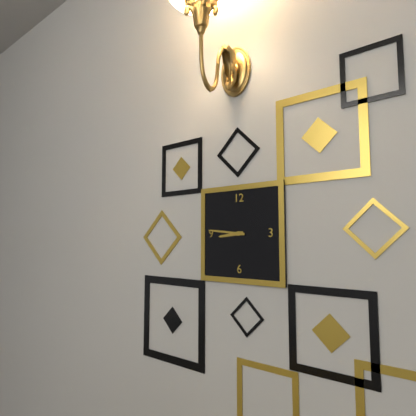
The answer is 8.46
